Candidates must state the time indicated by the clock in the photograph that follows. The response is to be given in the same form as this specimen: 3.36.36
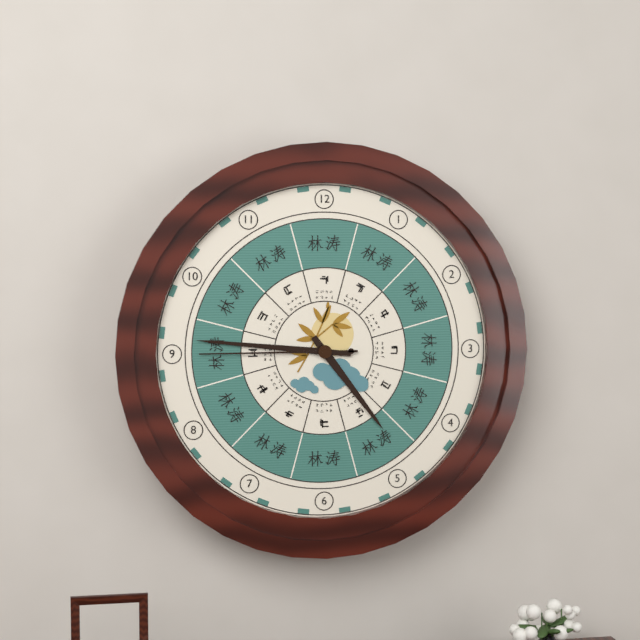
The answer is 4.46.45
